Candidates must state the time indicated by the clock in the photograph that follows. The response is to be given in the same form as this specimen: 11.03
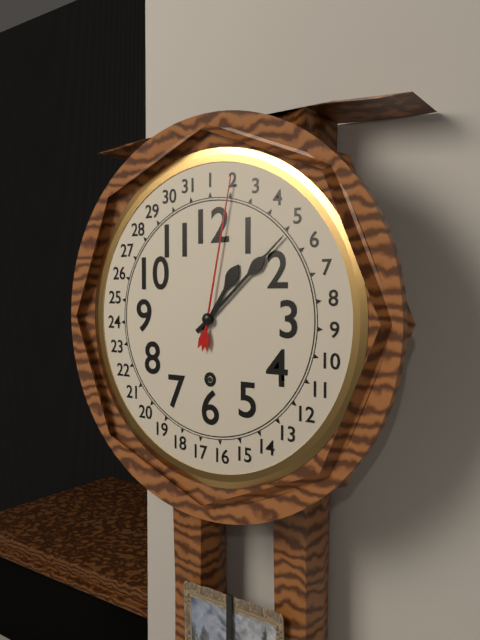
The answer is 1.08
